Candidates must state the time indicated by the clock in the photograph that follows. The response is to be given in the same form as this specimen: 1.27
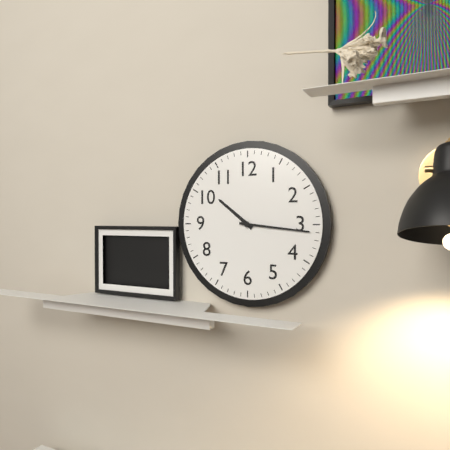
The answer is 10.16
